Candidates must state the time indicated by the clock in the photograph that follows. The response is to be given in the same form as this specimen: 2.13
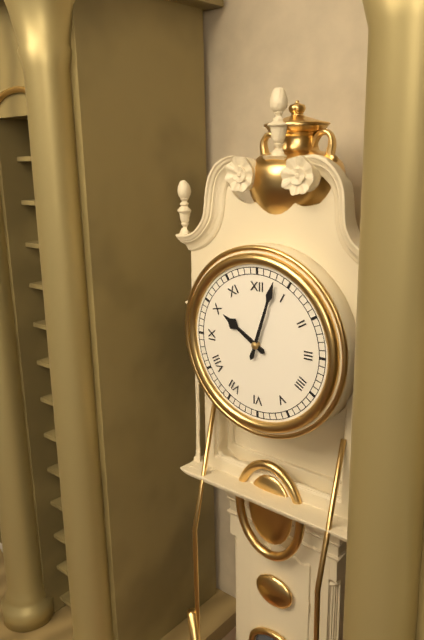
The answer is 10.03
